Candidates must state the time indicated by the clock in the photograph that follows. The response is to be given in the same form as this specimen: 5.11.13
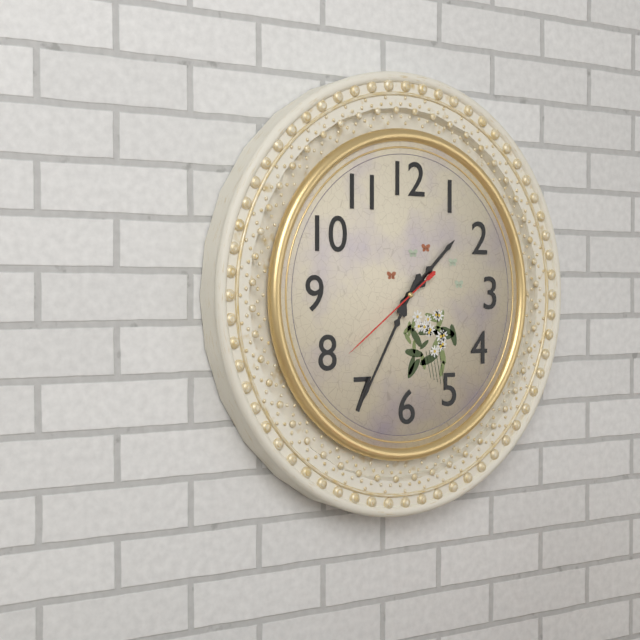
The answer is 1.35.39
